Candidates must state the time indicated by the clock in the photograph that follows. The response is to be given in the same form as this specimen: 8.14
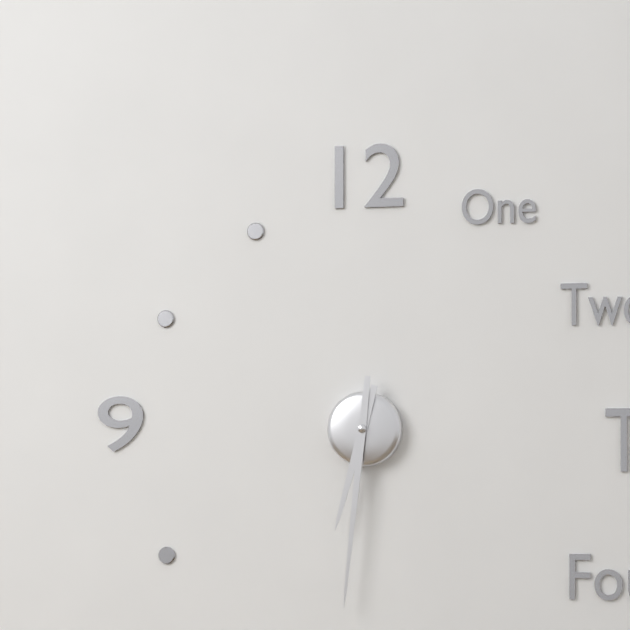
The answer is 6.31
